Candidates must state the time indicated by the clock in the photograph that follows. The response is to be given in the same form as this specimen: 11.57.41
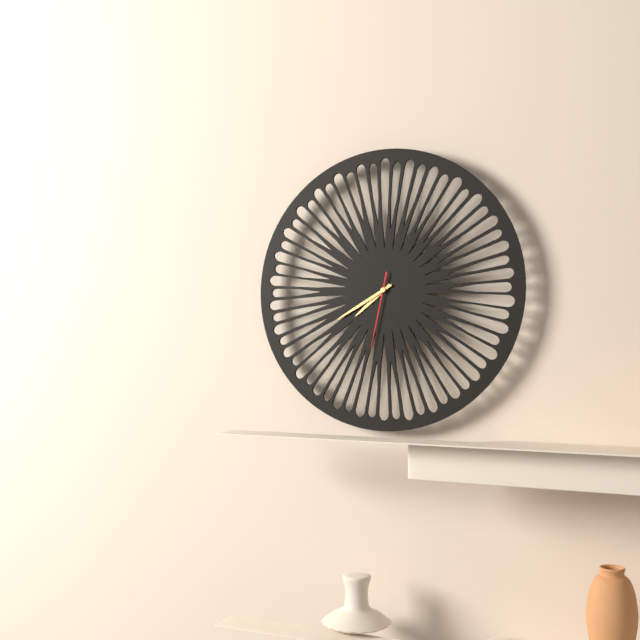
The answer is 7.40.32
